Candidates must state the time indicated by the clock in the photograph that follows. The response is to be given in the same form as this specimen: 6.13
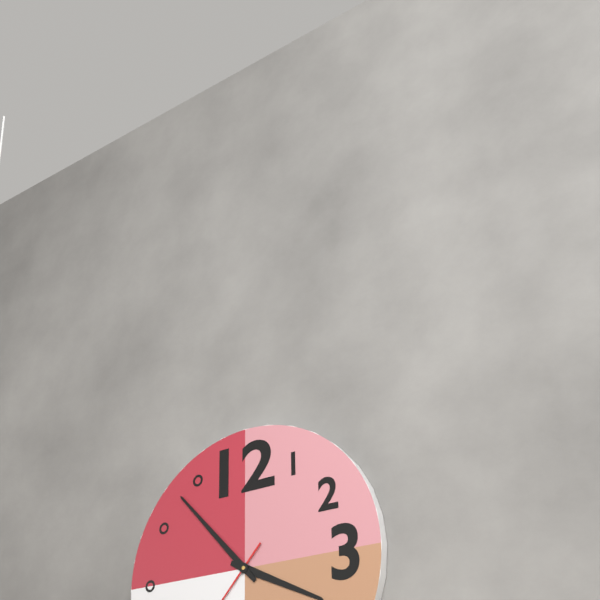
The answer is 3.53
